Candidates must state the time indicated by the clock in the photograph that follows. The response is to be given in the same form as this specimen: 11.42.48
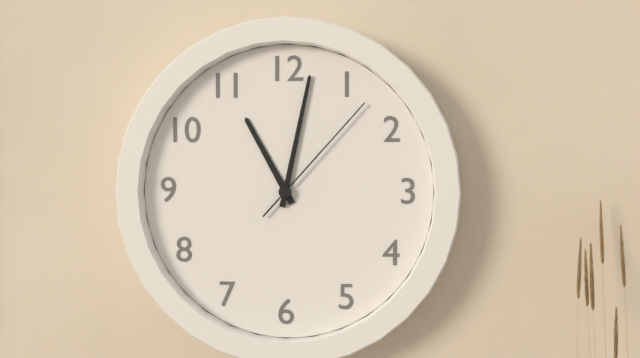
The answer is 11.02.07
